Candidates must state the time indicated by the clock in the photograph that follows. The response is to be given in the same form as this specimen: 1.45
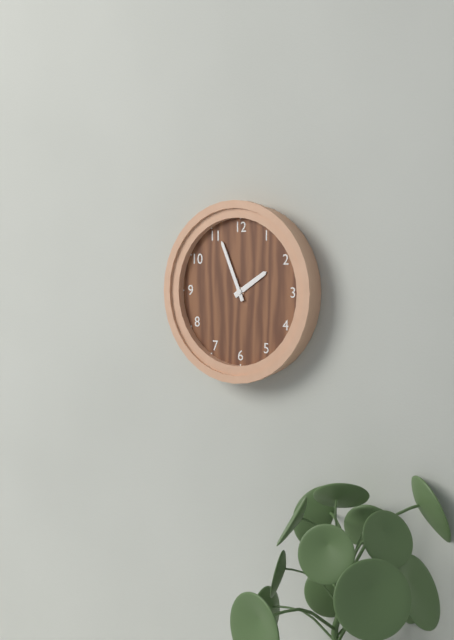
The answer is 1.56
